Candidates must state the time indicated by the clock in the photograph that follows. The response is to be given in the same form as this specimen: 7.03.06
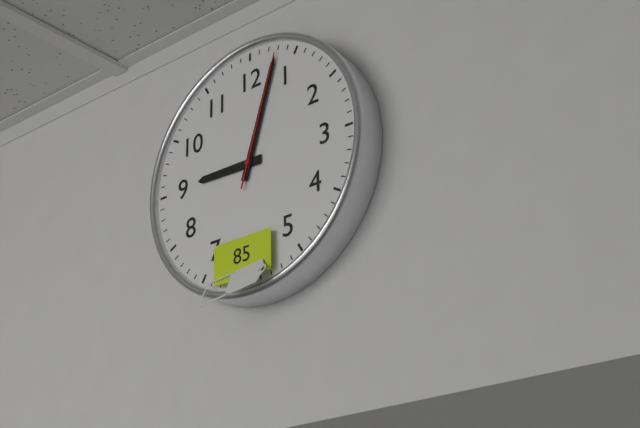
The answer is 9.03.03
